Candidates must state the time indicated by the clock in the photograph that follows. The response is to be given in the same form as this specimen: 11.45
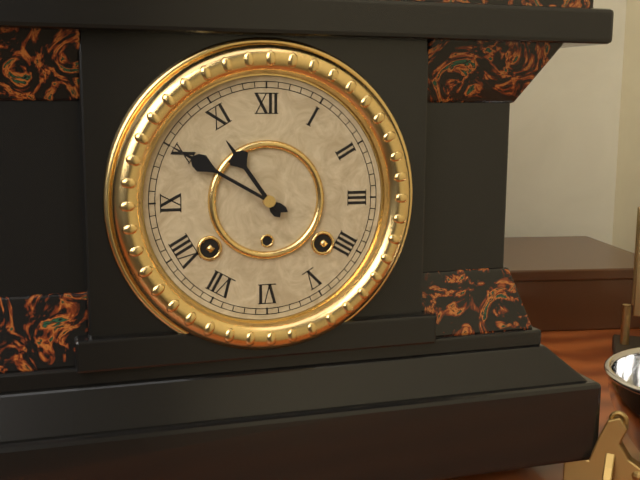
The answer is 10.50
